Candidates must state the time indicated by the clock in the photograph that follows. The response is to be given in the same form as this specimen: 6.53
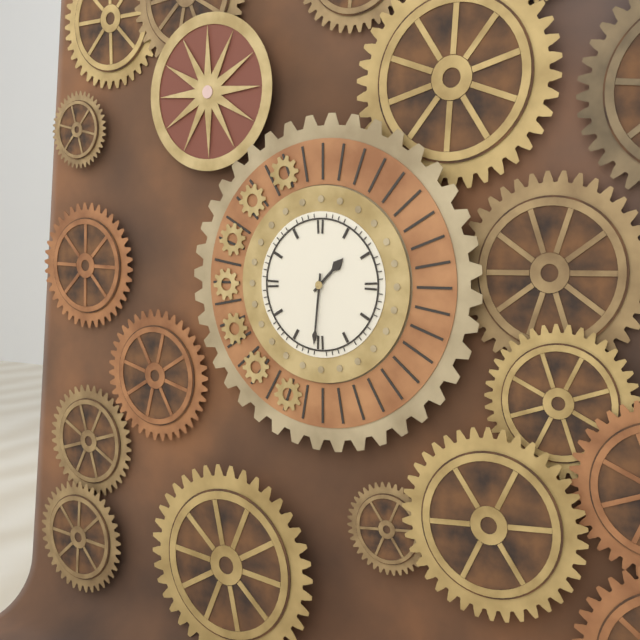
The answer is 1.31
